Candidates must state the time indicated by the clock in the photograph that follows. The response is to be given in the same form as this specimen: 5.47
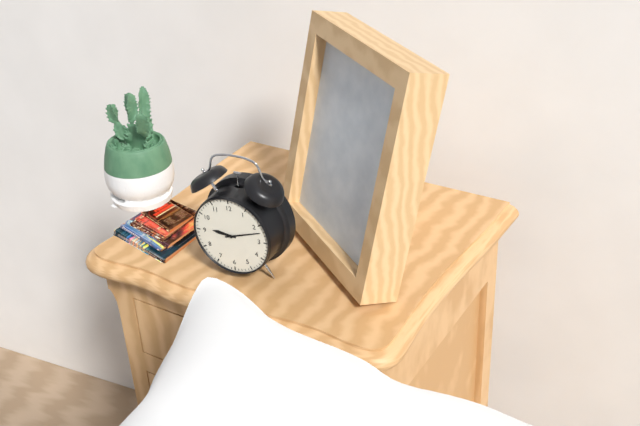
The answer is 9.12
